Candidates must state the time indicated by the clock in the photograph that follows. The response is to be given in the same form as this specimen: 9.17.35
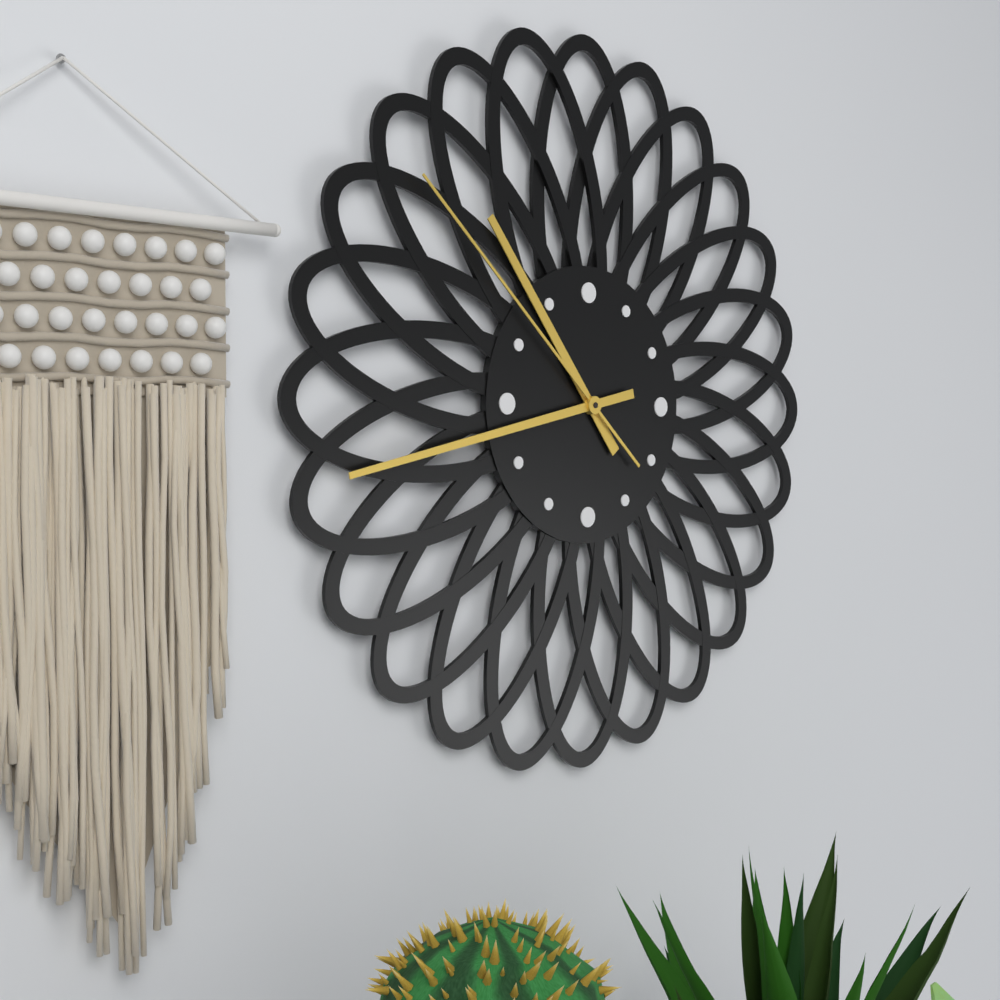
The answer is 10.43.52
